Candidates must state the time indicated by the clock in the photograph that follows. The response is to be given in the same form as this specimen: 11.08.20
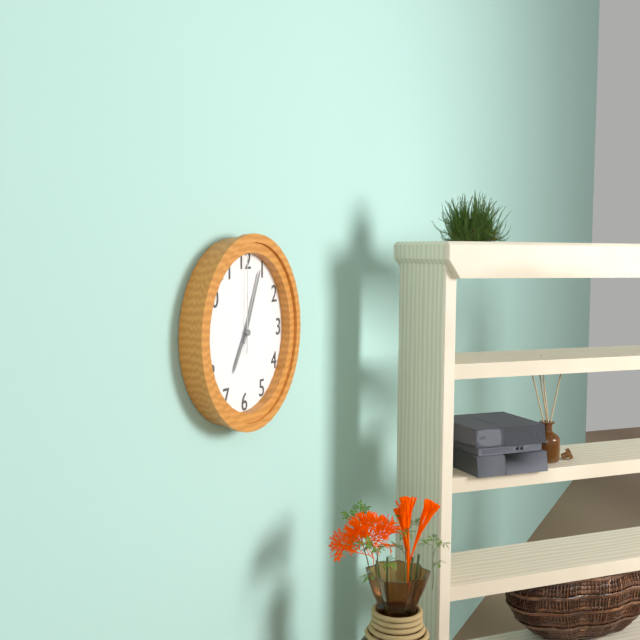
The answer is 7.04.00
